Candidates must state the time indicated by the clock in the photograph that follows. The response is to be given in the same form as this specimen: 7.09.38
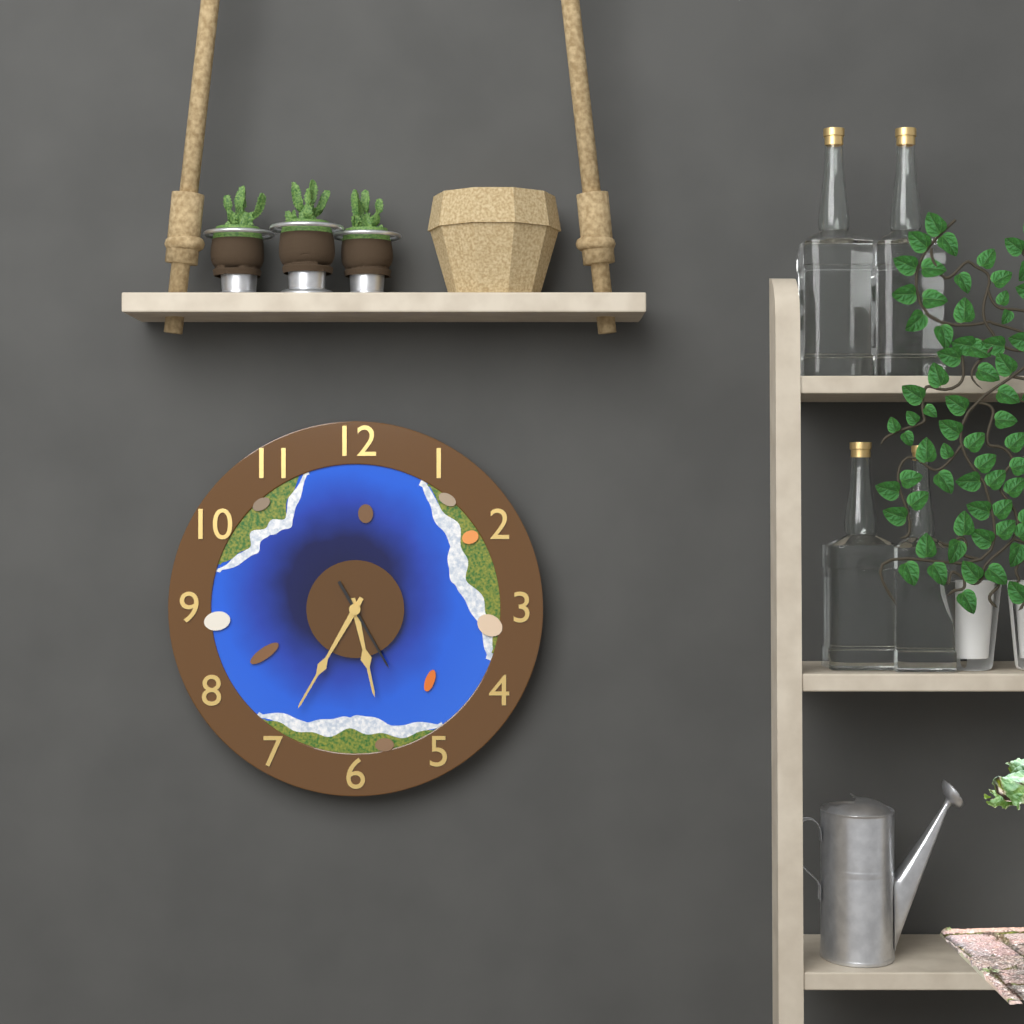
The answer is 5.35.25
